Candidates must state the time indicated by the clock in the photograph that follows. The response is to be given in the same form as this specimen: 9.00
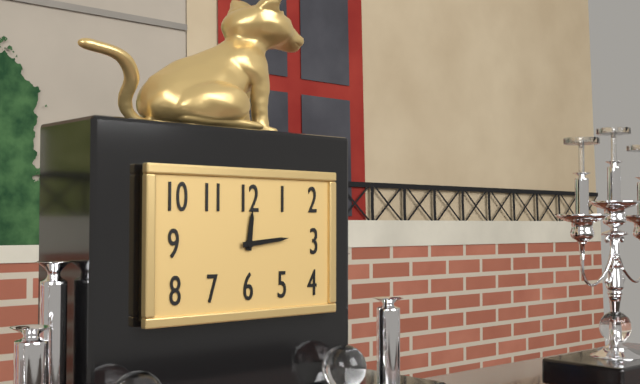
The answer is 12.14
